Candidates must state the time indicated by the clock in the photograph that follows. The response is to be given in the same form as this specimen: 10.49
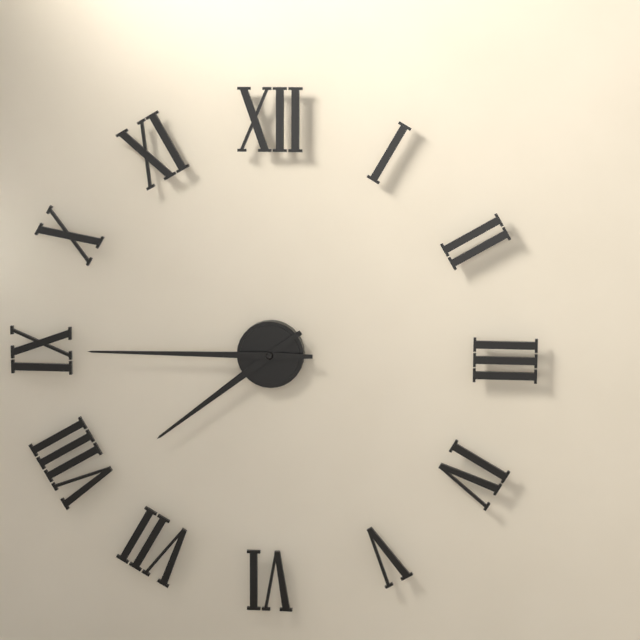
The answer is 7.45
